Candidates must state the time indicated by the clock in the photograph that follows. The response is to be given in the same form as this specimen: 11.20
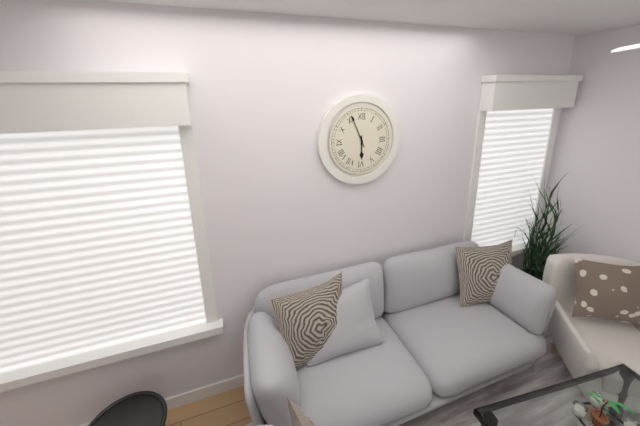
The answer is 5.56
